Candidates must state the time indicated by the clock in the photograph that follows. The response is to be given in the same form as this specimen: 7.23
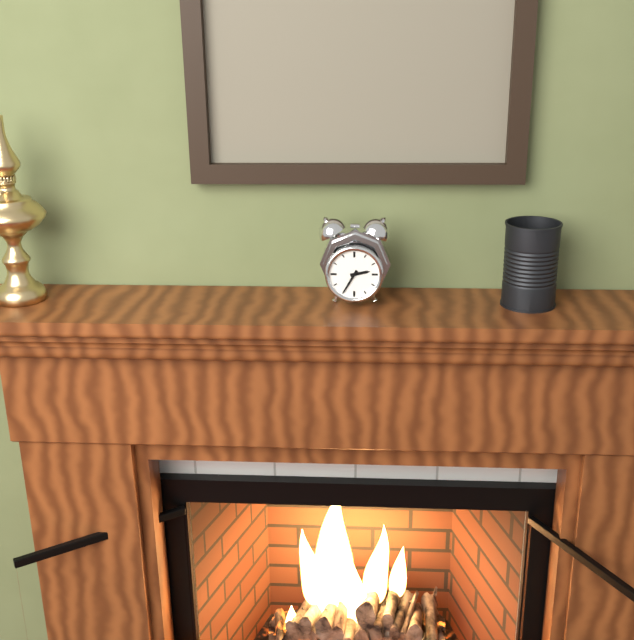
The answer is 2.35
